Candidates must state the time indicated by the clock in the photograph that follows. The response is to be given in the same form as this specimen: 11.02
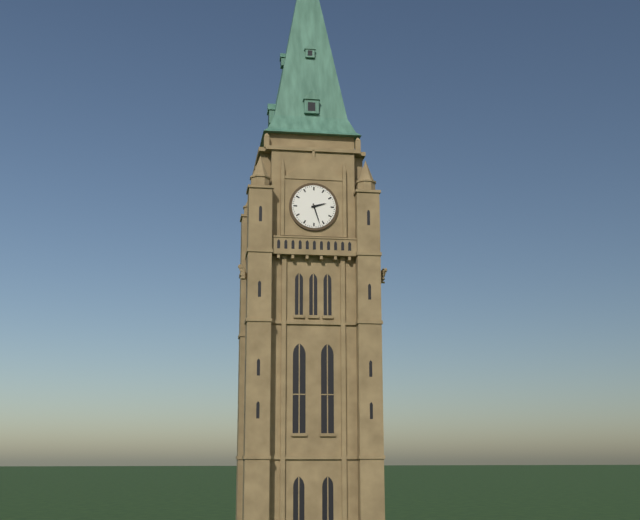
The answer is 2.27
